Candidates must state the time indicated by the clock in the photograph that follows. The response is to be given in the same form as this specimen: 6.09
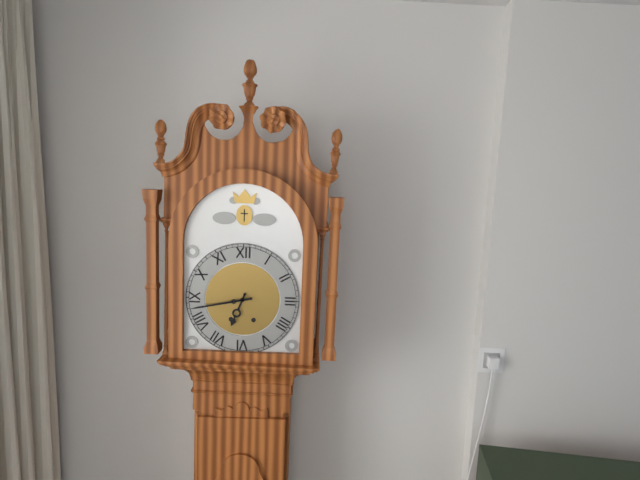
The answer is 6.43
